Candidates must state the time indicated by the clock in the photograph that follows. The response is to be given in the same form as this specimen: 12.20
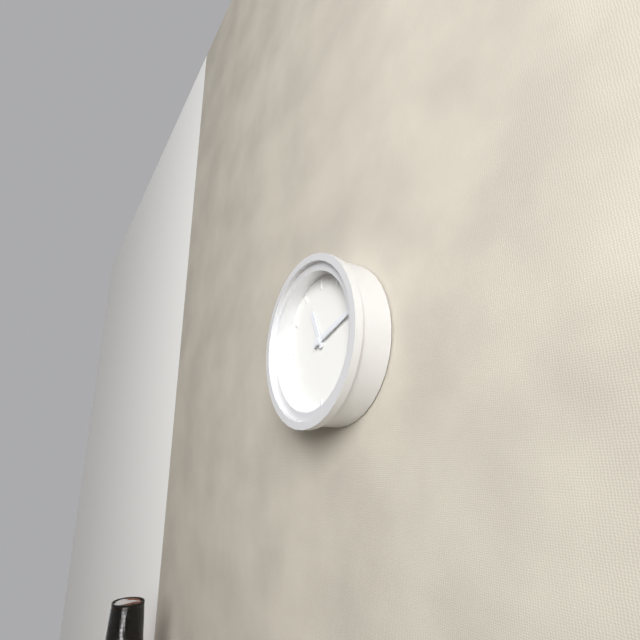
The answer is 11.12
